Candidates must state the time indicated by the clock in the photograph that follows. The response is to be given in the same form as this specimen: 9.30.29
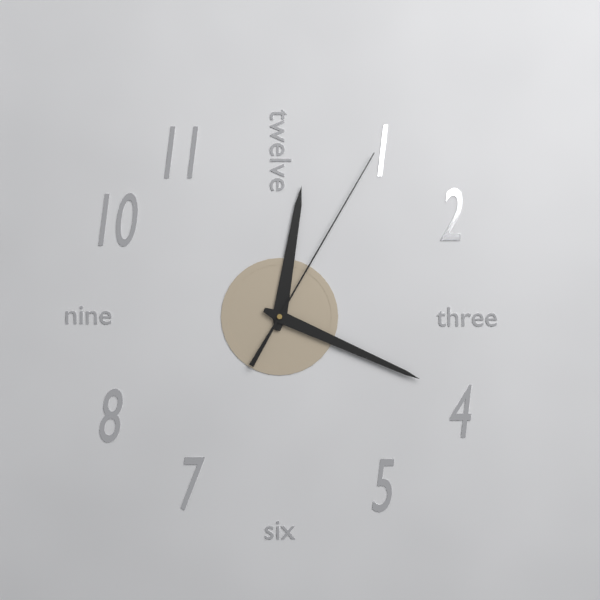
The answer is 12.19.05
